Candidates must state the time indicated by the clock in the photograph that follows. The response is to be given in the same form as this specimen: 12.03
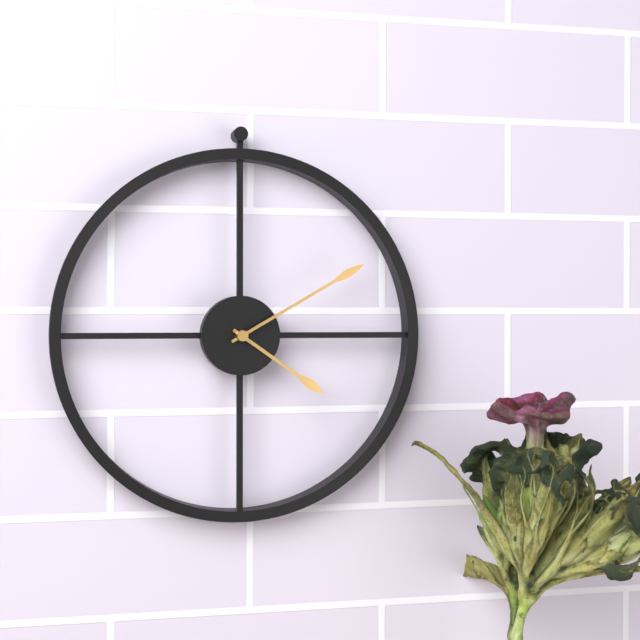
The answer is 4.10
